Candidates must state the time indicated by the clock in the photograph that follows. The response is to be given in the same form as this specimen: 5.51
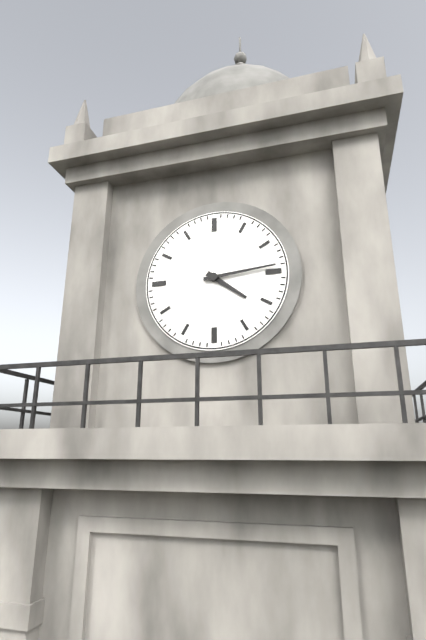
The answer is 4.14
